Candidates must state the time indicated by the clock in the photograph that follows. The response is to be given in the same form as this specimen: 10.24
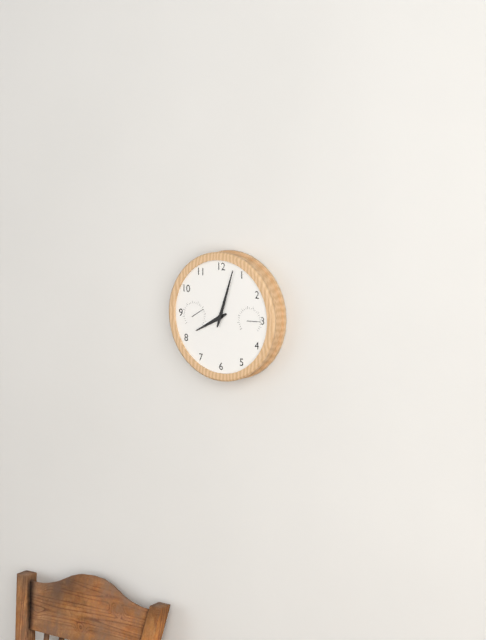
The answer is 8.03
